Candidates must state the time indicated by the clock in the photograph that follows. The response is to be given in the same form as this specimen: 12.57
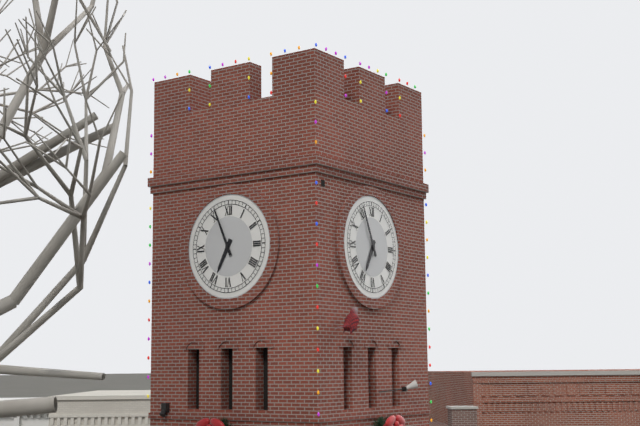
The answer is 6.56
